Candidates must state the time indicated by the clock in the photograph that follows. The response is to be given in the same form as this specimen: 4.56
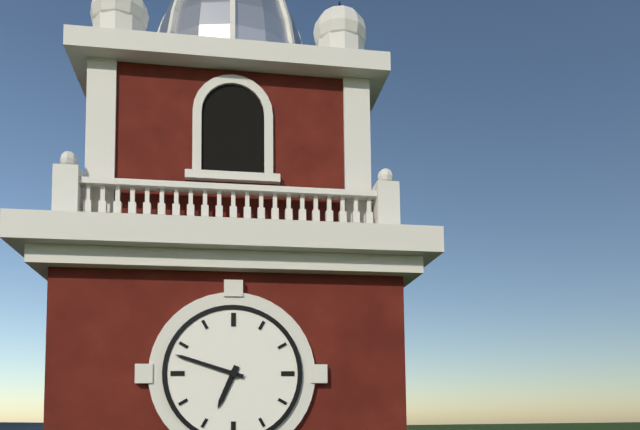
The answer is 6.48
